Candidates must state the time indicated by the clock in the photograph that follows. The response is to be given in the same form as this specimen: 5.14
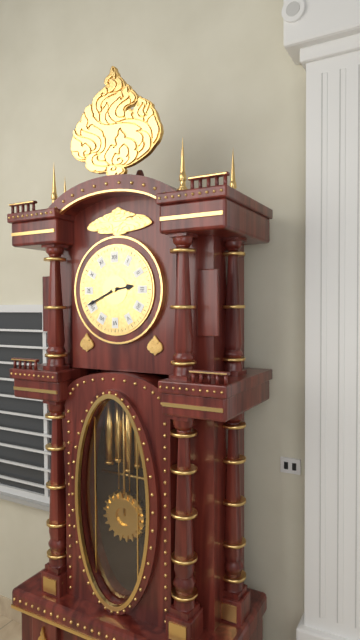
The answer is 2.41
